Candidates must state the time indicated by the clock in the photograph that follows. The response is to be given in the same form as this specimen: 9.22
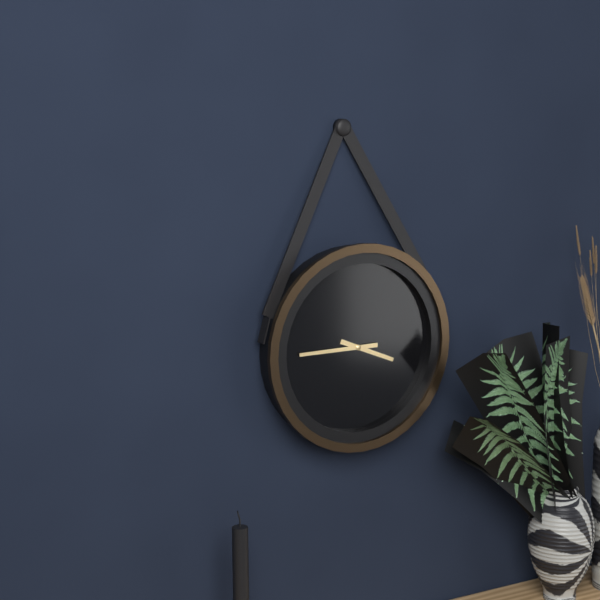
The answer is 3.45
